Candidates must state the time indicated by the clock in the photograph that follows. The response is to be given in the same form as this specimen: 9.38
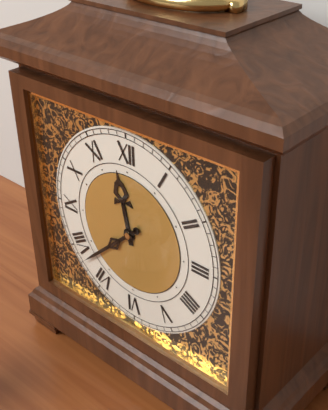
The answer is 11.38
